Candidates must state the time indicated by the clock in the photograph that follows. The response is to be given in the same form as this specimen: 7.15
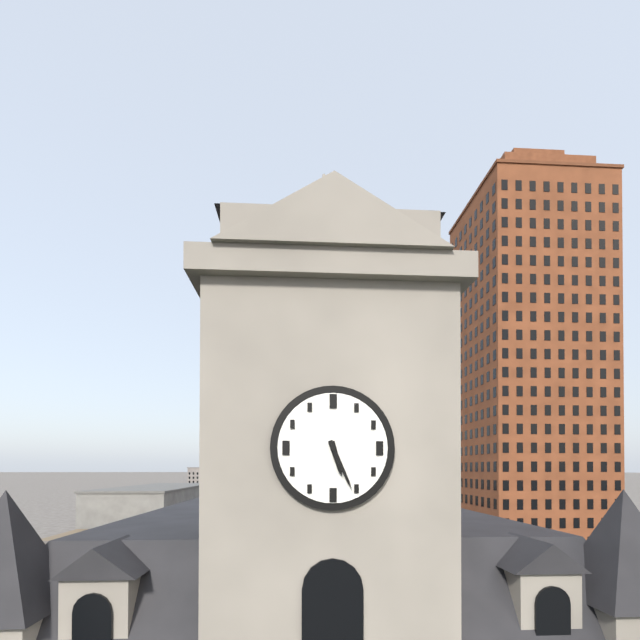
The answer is 5.26
